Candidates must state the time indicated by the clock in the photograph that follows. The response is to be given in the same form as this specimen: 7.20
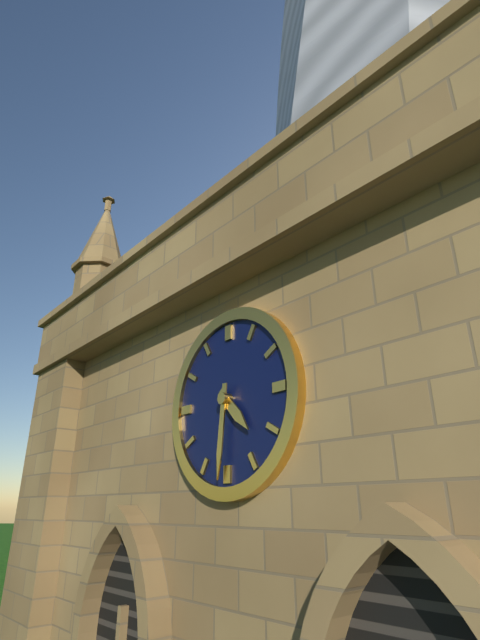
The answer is 4.31
